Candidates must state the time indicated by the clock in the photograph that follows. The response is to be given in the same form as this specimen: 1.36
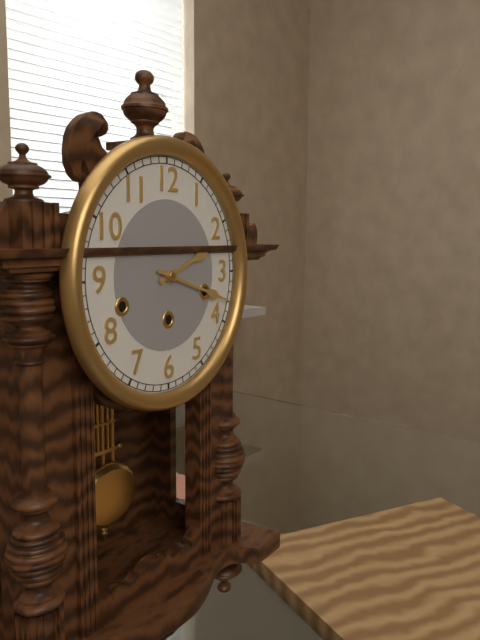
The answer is 2.18
